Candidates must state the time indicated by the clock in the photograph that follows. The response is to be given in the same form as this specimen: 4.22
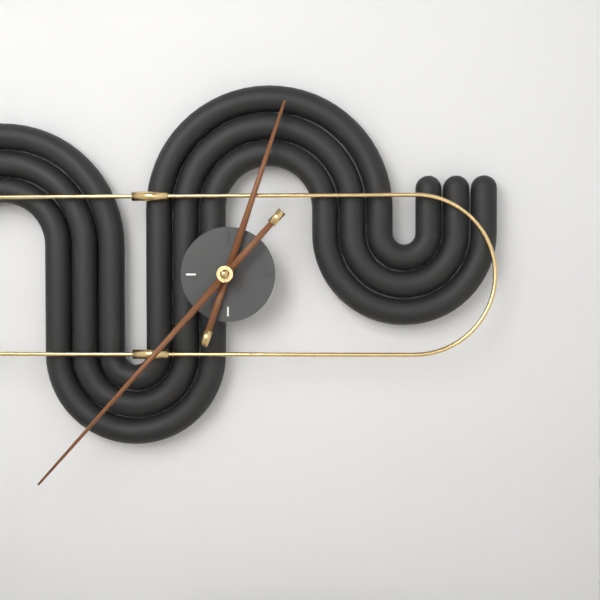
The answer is 12.37
